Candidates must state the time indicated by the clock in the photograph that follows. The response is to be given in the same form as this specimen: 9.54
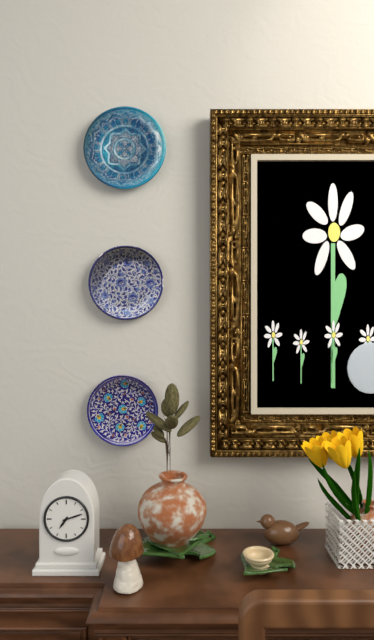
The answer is 7.12
